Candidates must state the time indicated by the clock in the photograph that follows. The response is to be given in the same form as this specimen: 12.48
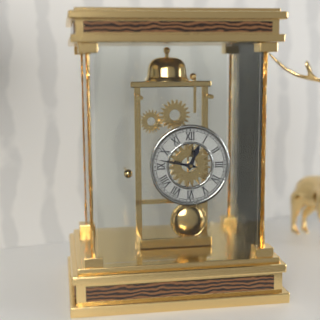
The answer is 12.47
